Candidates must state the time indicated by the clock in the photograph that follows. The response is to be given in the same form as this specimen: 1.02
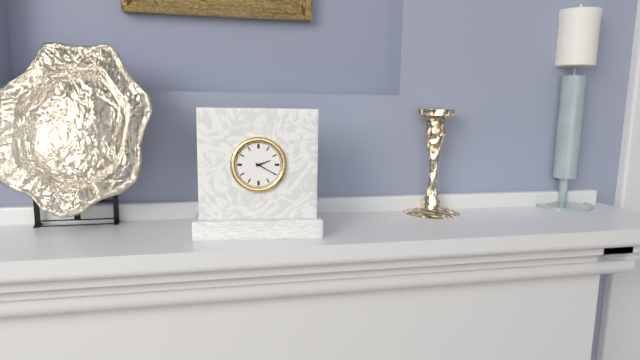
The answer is 2.20
